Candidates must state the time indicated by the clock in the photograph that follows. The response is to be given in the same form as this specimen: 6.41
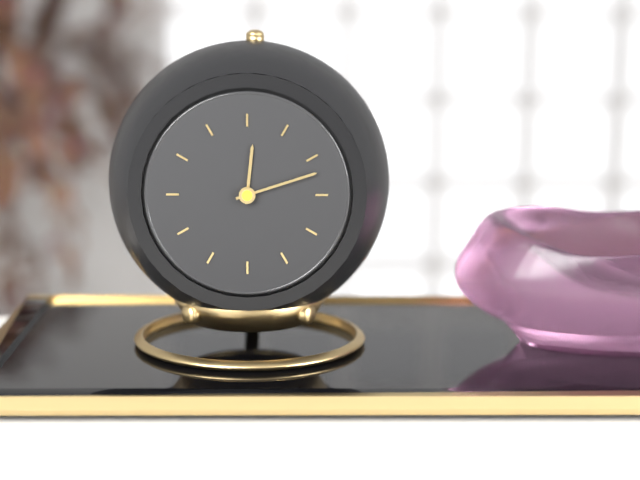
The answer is 12.12
